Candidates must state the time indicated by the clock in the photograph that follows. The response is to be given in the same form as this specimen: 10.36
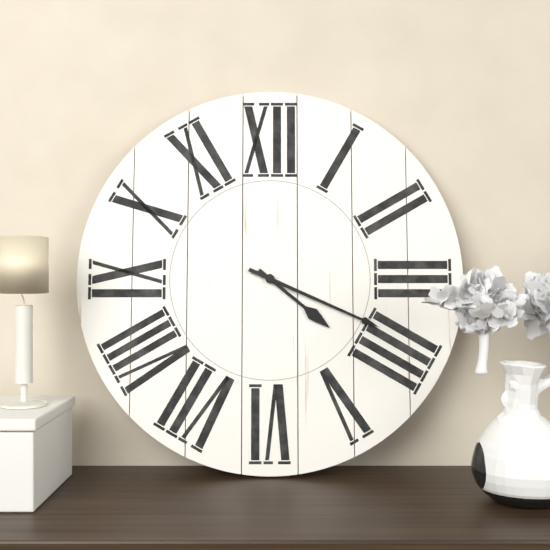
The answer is 4.19
